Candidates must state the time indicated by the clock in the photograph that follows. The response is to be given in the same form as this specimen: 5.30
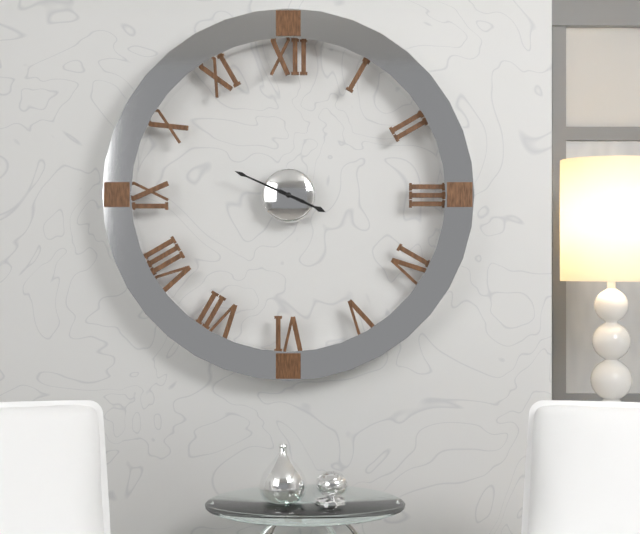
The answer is 3.49
